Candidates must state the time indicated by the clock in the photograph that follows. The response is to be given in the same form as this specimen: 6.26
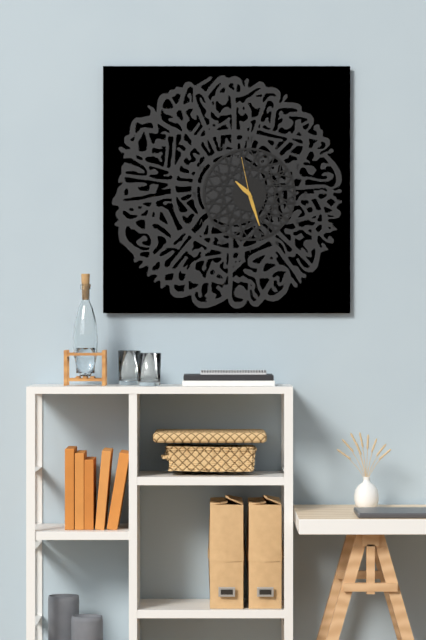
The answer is 10.27
